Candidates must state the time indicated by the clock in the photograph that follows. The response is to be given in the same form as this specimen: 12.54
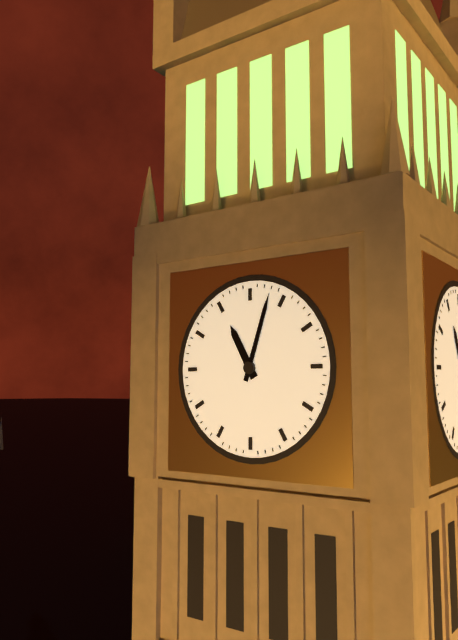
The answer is 11.03
